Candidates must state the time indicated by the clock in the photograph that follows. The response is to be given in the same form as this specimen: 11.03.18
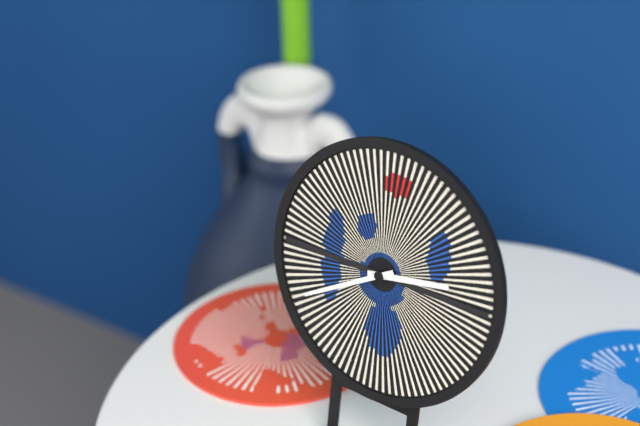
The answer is 2.40.15
